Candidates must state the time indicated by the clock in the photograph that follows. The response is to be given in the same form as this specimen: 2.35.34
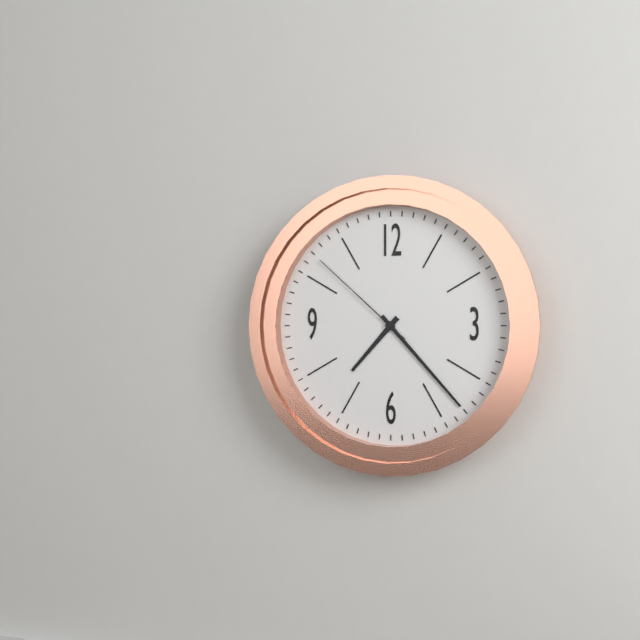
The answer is 7.23.52
